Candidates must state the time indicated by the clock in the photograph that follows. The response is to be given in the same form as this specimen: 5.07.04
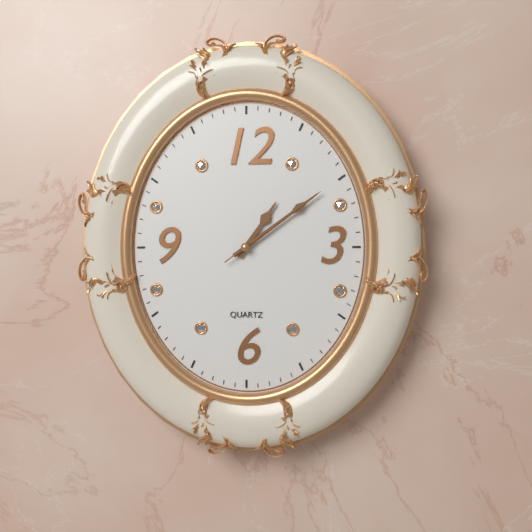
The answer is 1.09.09
